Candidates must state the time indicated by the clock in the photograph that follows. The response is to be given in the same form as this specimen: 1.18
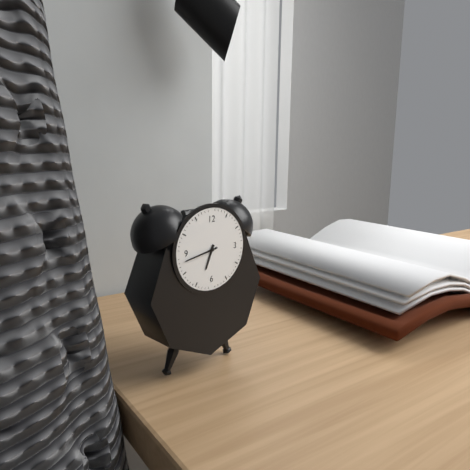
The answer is 6.43
